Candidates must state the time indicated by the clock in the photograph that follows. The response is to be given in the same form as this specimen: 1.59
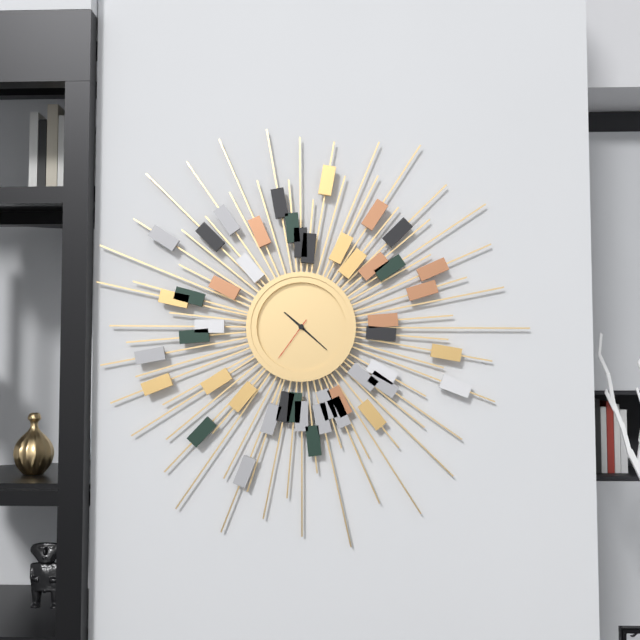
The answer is 10.22
